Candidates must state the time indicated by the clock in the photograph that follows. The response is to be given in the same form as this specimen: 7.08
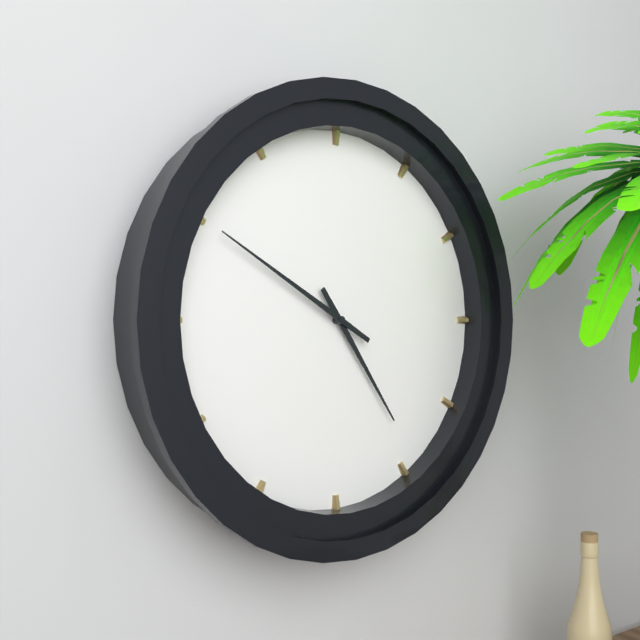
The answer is 4.50
